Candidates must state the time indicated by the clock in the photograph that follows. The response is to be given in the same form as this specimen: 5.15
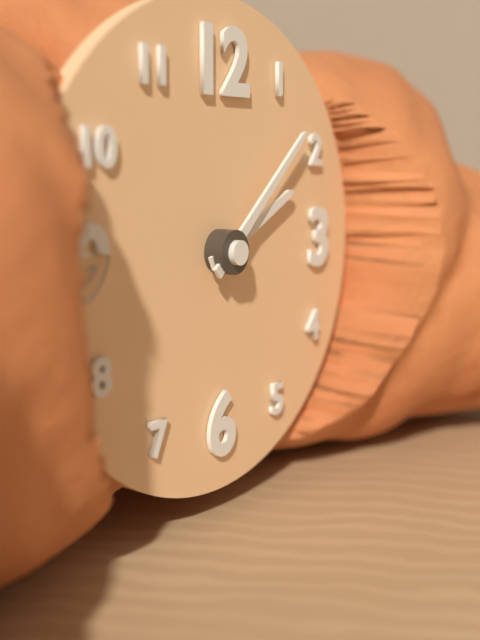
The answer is 2.08
